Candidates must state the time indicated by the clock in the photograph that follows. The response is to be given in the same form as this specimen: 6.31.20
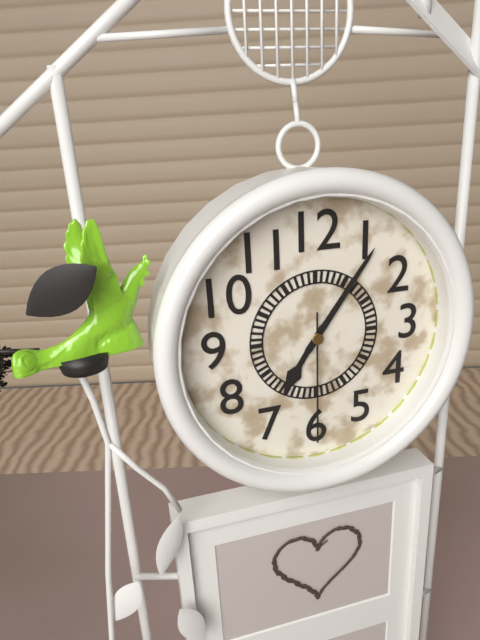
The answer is 7.06.30
